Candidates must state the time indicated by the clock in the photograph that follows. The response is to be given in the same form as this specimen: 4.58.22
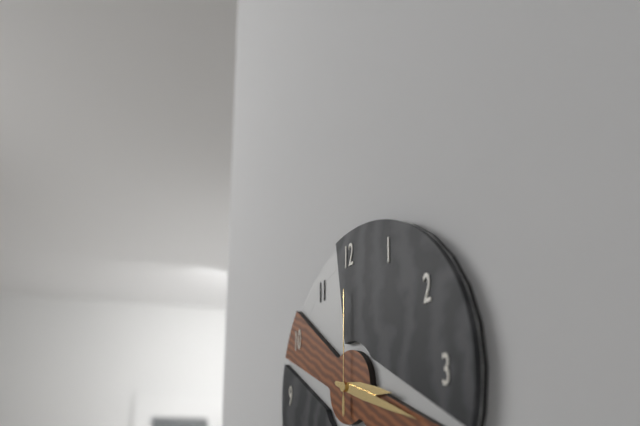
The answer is 3.18.00
